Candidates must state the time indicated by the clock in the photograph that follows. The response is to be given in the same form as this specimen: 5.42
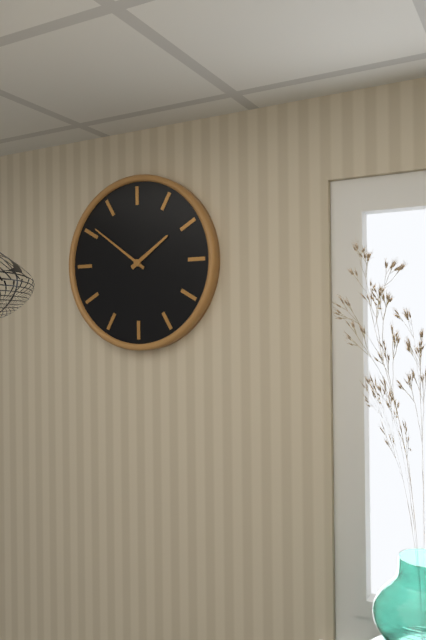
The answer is 1.51
